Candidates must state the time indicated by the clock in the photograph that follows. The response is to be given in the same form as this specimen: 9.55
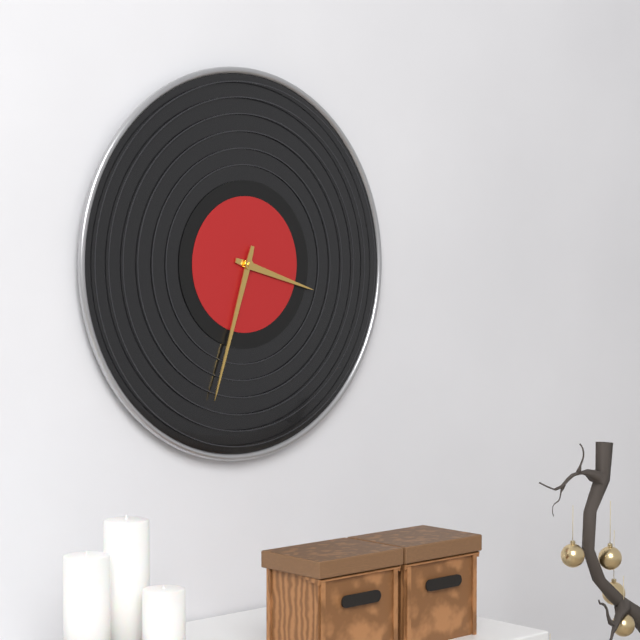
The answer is 3.33
